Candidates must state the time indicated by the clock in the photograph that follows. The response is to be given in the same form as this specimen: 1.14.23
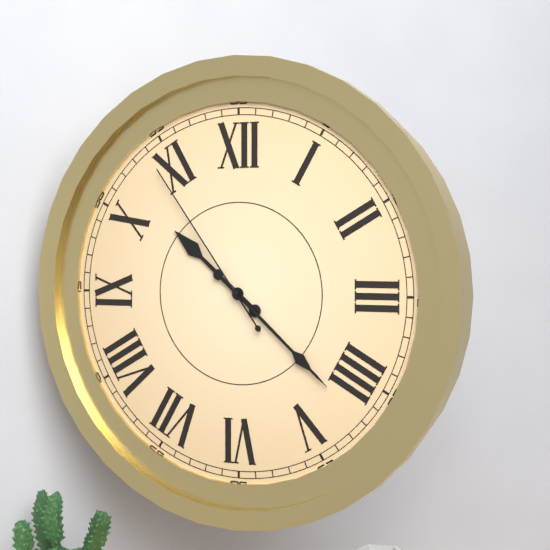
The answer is 10.22.54
